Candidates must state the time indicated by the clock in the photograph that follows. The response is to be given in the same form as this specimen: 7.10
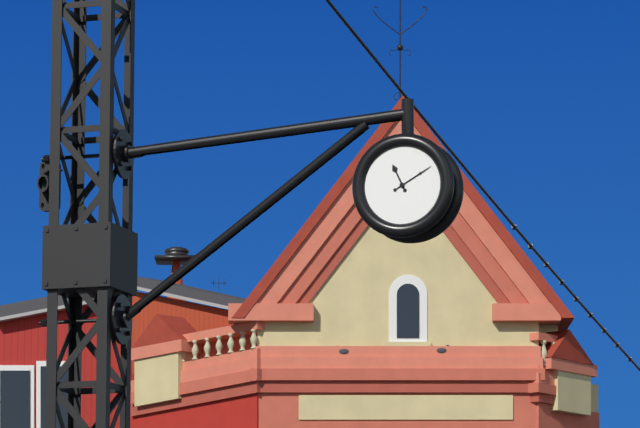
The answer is 11.10
